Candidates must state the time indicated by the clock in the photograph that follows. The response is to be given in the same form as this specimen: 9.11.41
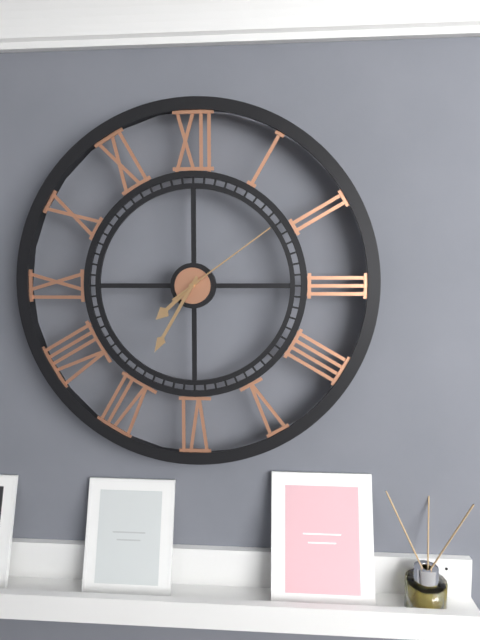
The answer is 7.35.09
